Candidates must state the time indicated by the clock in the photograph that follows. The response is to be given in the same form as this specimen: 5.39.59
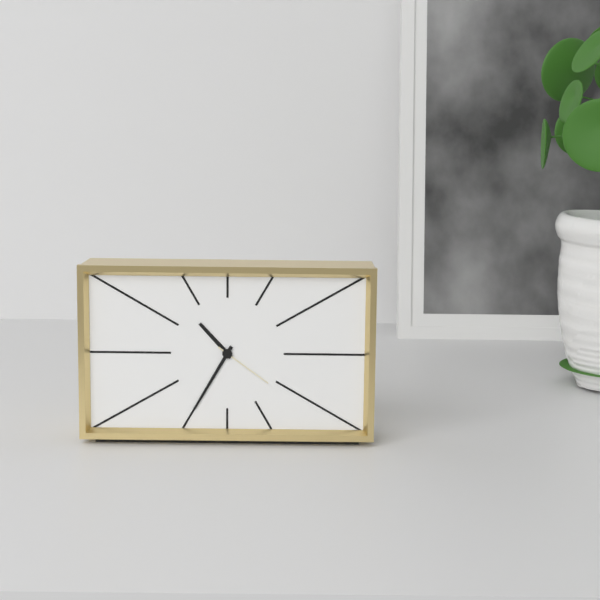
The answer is 10.35.21
